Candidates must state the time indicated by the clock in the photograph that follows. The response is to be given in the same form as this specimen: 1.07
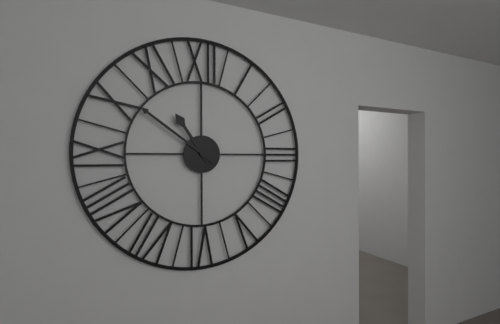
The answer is 10.51
